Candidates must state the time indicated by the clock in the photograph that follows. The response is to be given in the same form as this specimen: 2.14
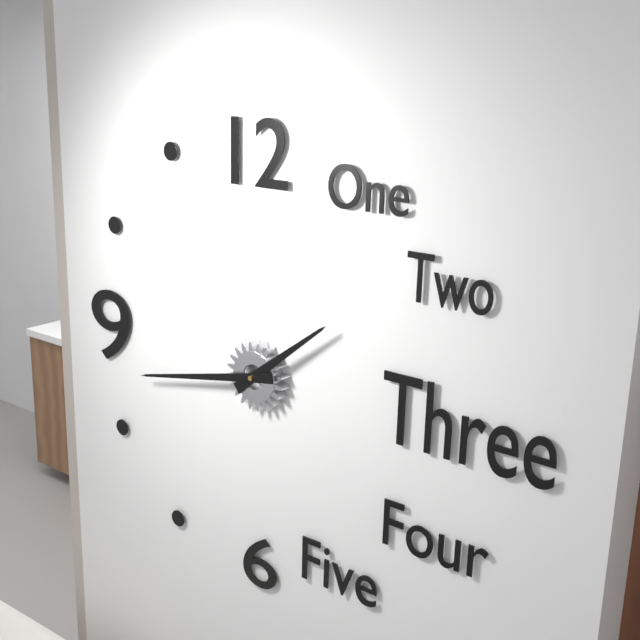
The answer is 1.43
